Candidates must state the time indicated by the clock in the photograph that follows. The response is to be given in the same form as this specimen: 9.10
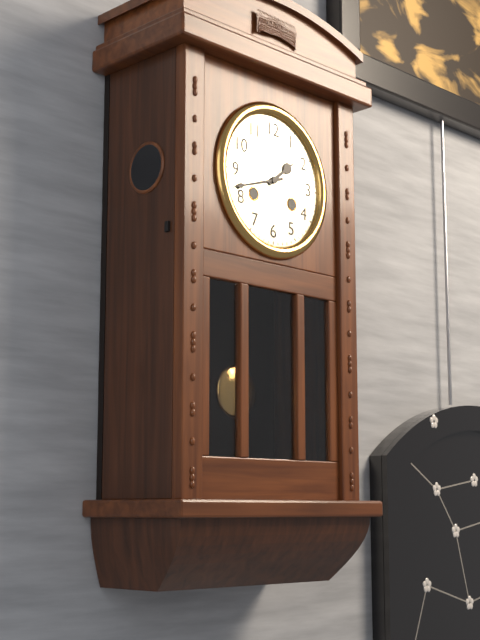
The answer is 1.42
